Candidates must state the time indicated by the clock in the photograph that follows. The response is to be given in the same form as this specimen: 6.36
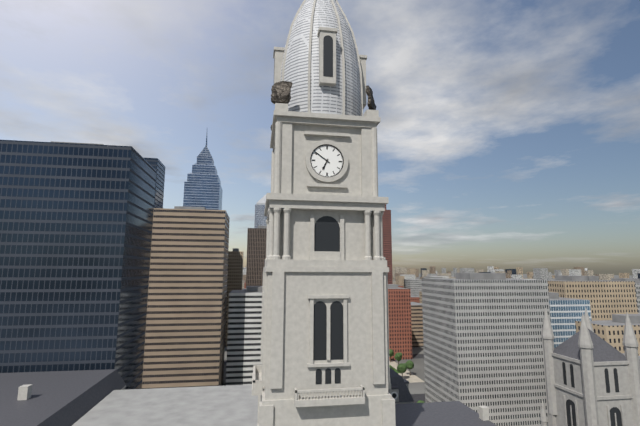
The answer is 6.51
